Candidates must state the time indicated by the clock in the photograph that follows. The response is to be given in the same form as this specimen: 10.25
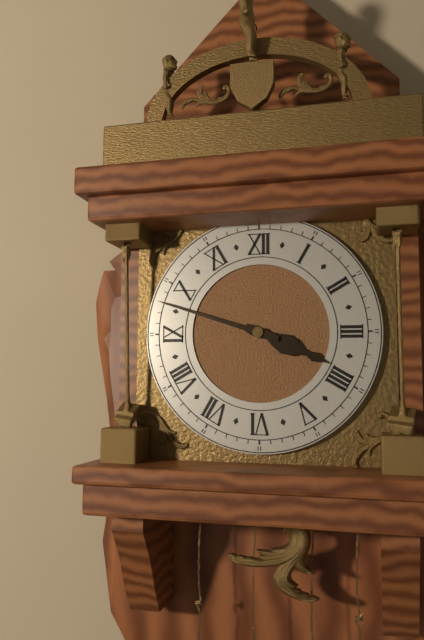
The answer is 3.48
